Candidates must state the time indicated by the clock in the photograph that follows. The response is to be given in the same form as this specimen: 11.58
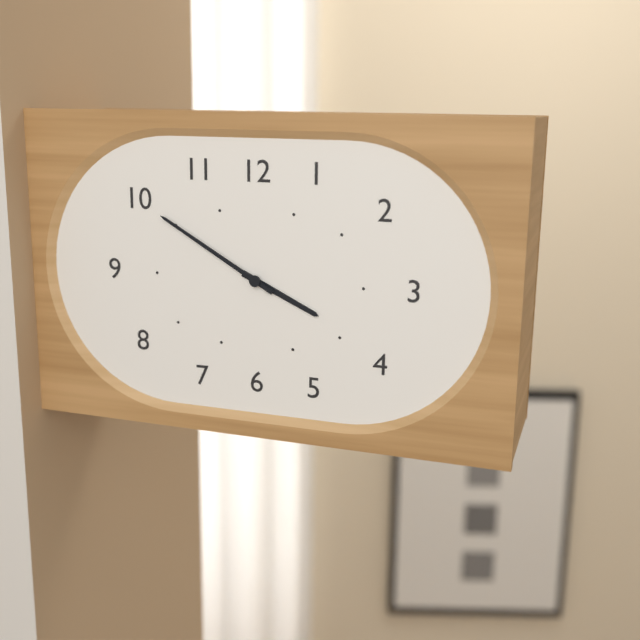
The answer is 3.50
